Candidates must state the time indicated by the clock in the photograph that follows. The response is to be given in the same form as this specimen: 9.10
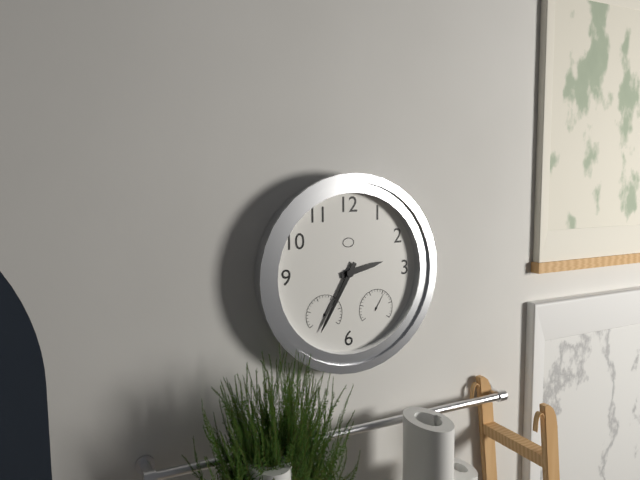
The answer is 2.35
